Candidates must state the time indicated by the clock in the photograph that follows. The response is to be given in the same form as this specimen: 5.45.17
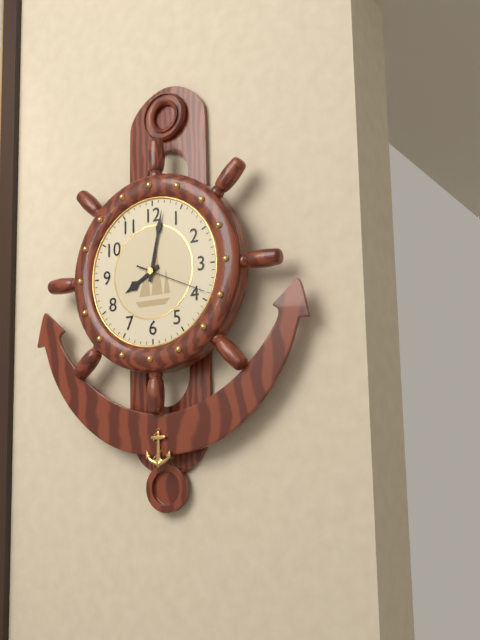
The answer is 8.02.19
